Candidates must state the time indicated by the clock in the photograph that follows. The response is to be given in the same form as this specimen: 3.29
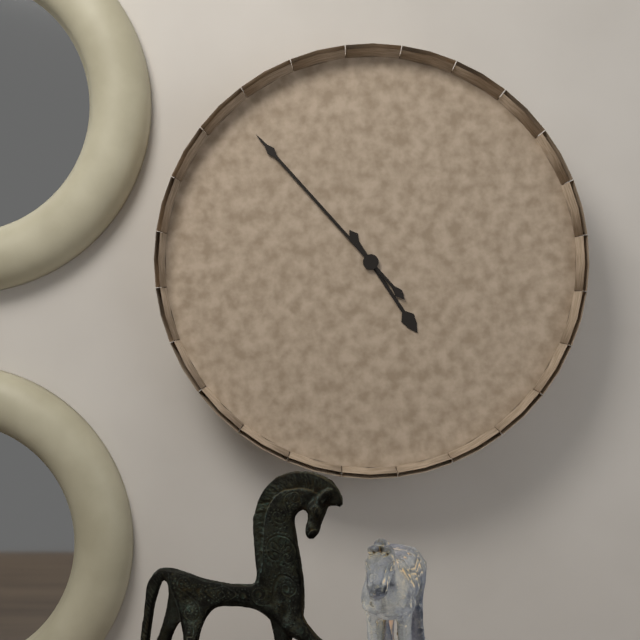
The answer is 4.53
